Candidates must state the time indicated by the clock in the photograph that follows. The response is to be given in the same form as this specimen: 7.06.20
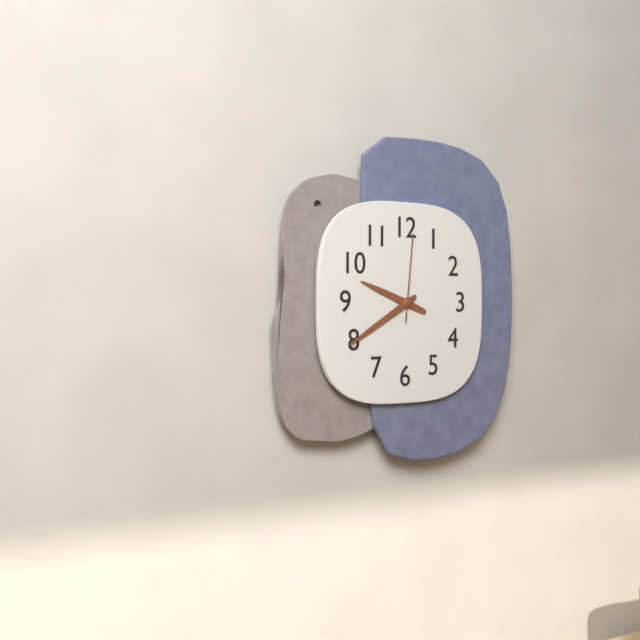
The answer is 9.40.01
